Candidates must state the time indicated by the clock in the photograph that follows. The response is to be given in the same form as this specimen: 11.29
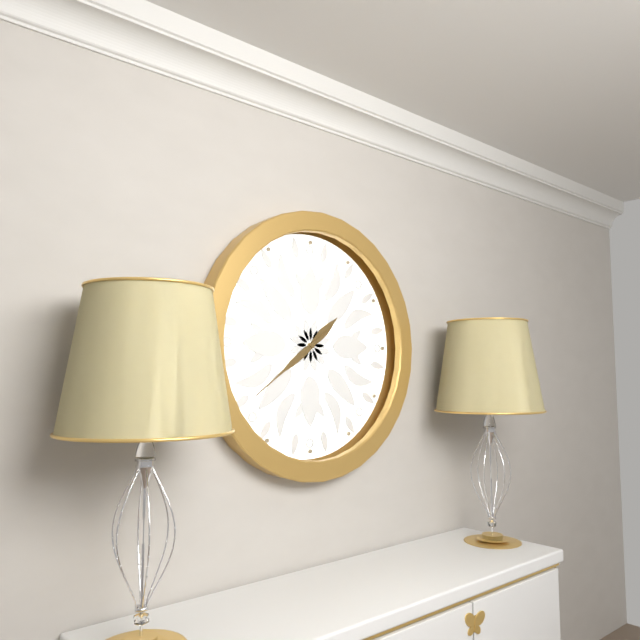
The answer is 1.39
